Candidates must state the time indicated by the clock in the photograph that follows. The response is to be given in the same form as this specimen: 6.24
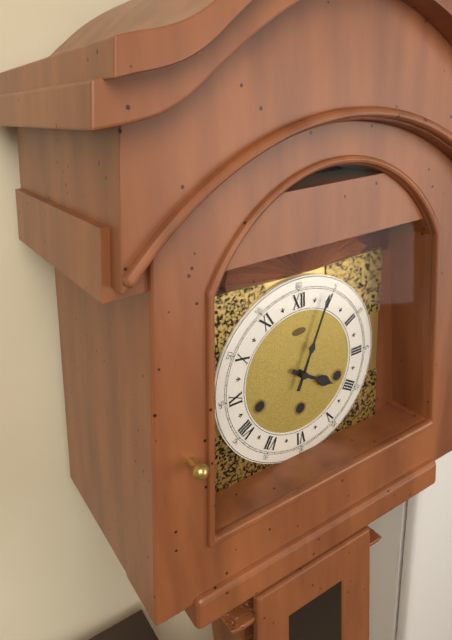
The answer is 4.04
